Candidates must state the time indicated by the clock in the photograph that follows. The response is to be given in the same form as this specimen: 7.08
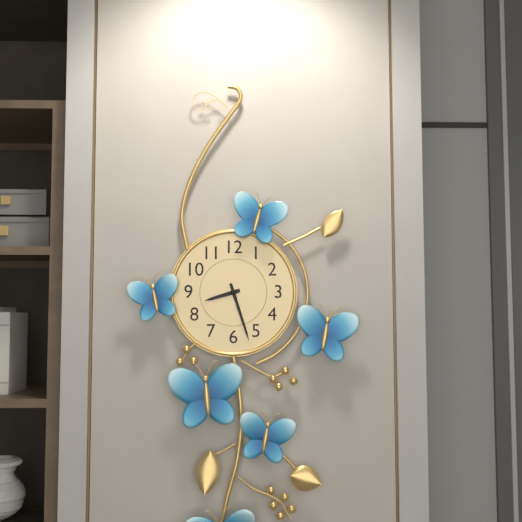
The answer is 8.27
